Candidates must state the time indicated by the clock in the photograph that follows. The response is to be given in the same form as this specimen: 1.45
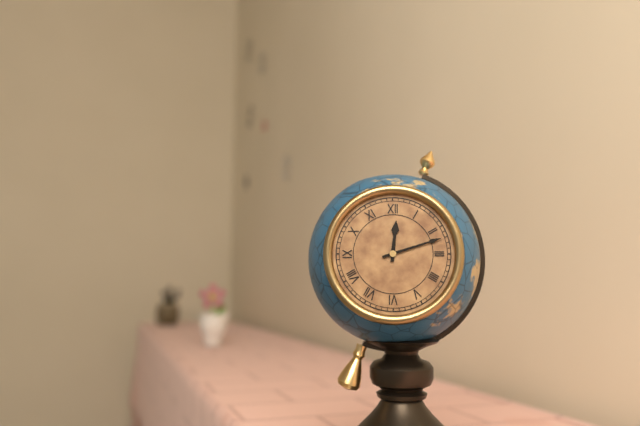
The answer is 12.12
